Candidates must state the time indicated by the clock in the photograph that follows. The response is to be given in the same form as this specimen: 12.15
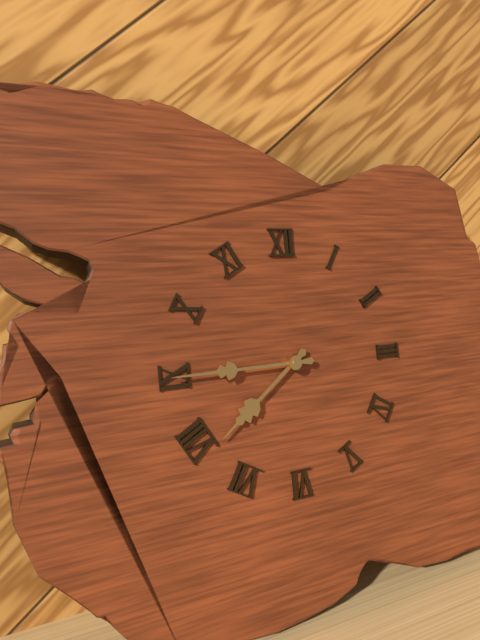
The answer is 7.45
